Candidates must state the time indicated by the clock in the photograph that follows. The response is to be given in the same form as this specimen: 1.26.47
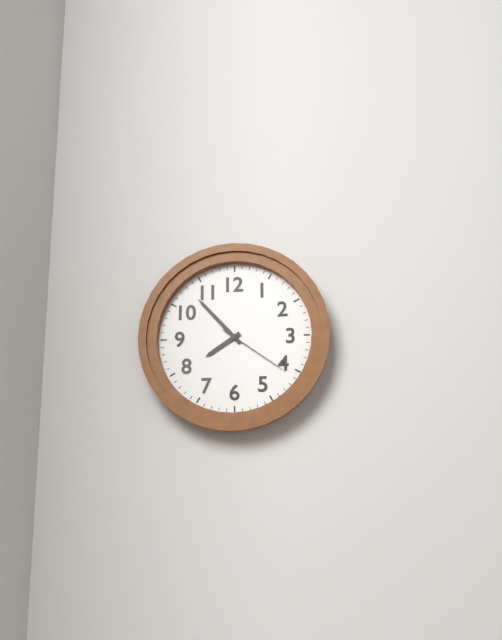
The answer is 7.53.21
